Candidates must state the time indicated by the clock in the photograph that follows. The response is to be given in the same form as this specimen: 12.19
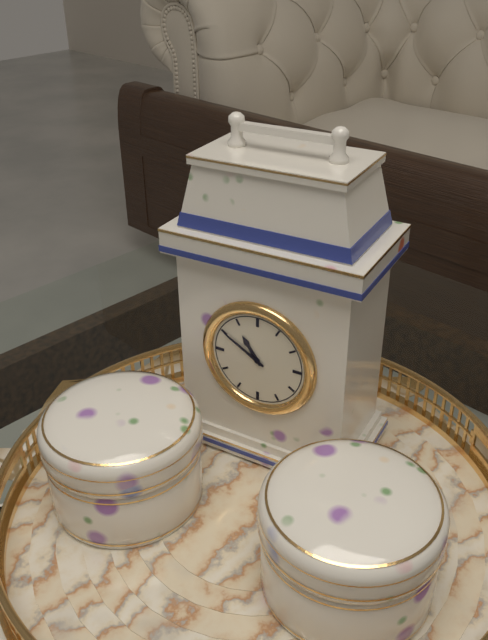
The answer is 10.50
